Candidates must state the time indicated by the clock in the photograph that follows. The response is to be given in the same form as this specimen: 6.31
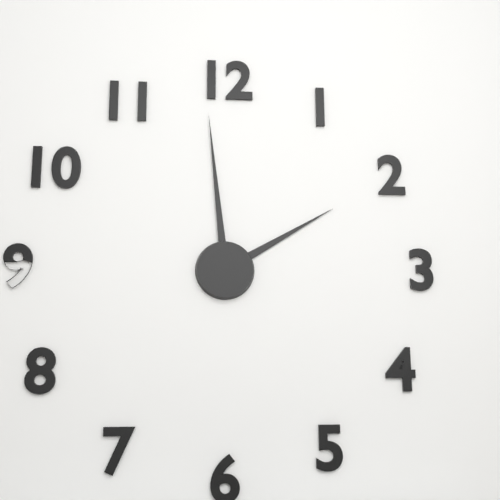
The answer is 1.59
